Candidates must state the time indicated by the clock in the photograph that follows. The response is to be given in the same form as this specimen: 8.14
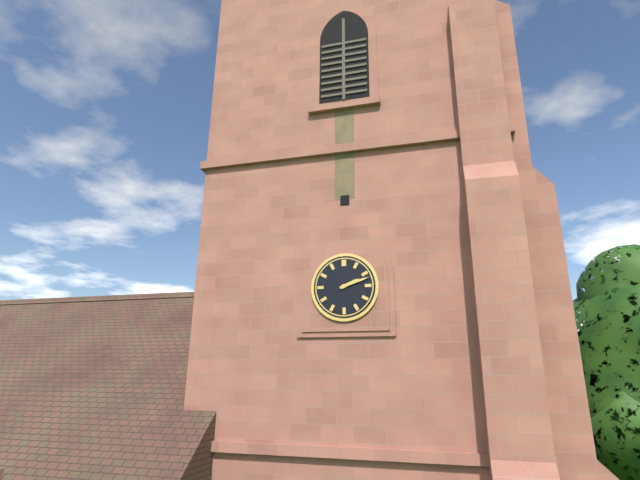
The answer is 2.12
